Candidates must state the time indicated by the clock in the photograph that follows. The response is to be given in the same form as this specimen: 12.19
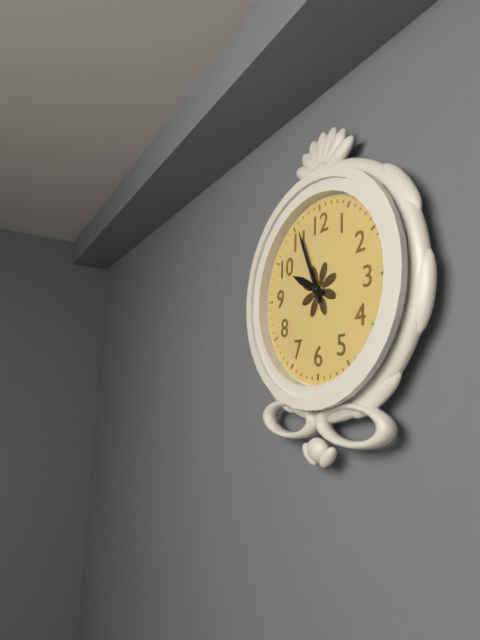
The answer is 9.56
